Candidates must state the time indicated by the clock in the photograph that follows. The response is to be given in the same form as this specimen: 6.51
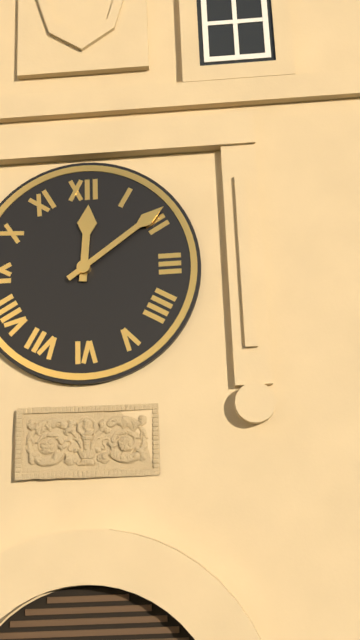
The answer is 12.09
